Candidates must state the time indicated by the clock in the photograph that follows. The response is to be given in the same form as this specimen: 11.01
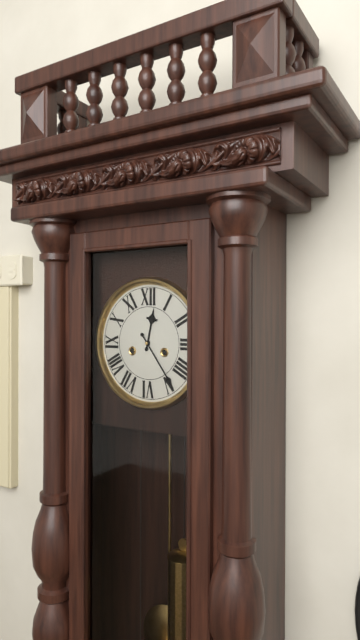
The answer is 12.24
